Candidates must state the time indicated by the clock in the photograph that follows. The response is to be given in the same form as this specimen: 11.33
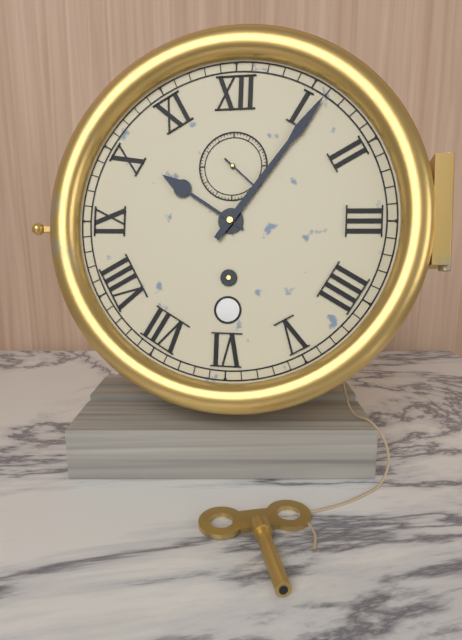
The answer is 10.06
